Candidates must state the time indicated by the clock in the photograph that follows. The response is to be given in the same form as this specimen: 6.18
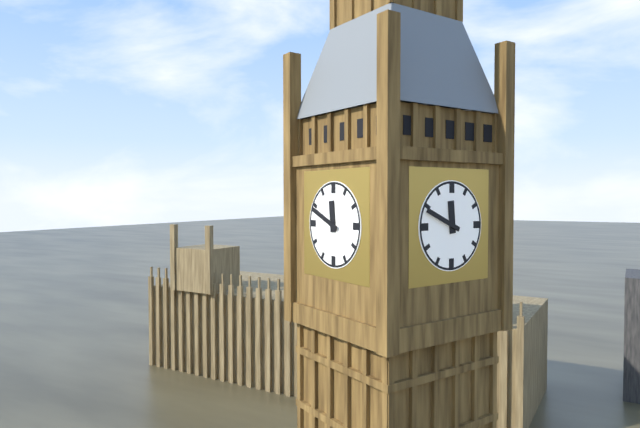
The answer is 11.49
